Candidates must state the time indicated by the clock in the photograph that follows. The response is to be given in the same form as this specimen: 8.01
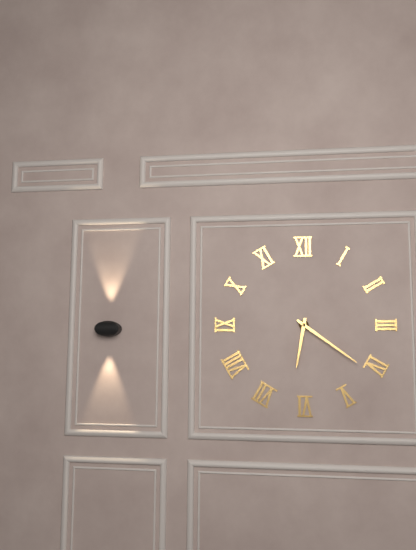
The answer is 6.21
